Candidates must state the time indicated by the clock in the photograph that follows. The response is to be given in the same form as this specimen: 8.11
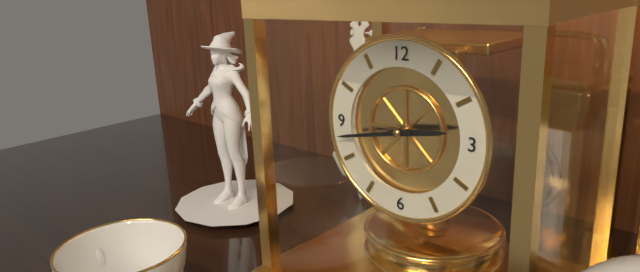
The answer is 2.43
